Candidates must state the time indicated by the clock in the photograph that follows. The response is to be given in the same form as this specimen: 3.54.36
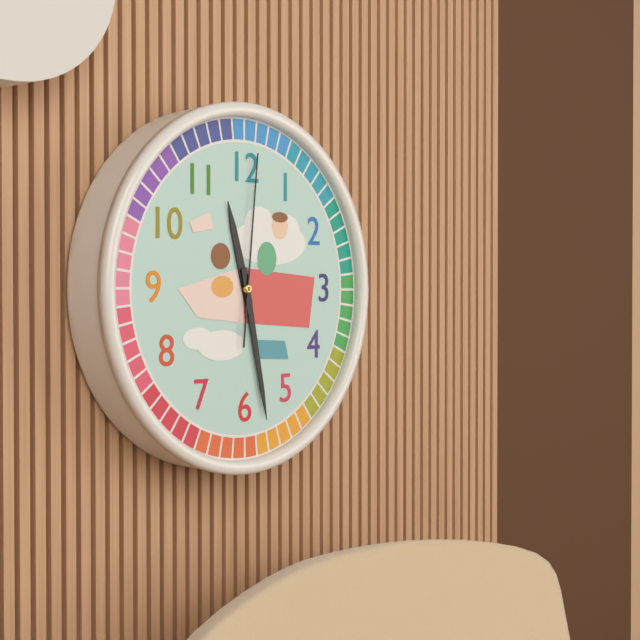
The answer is 11.28.01
